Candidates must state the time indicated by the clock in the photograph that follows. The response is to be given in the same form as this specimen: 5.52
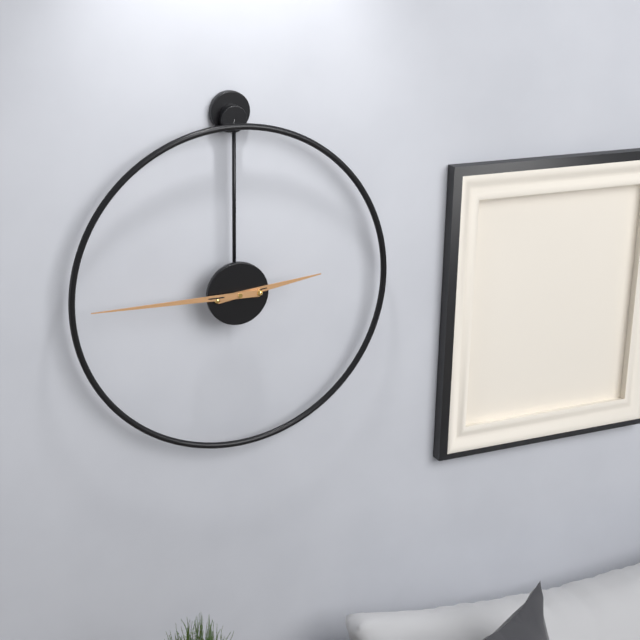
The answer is 2.45
